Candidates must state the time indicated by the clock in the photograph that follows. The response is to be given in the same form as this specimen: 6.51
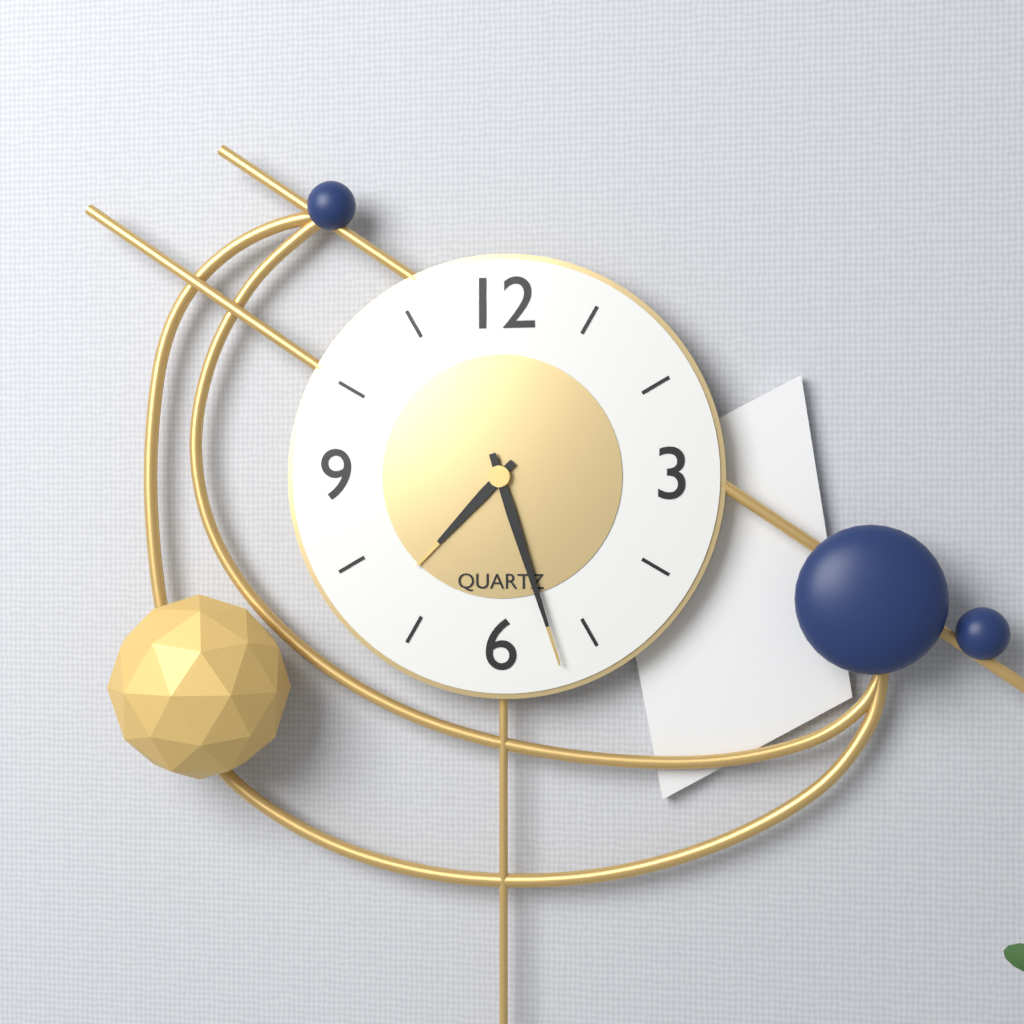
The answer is 7.27
